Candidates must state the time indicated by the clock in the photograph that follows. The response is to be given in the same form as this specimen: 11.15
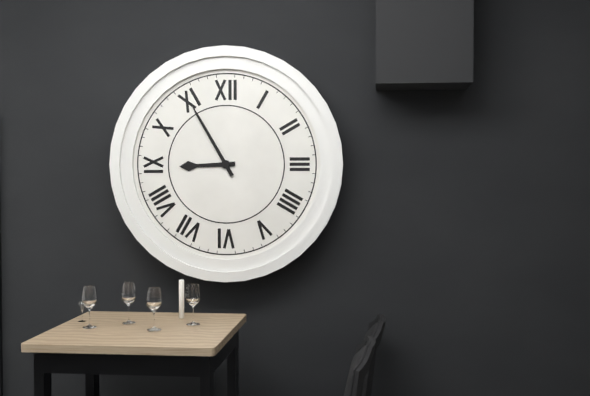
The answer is 8.55
